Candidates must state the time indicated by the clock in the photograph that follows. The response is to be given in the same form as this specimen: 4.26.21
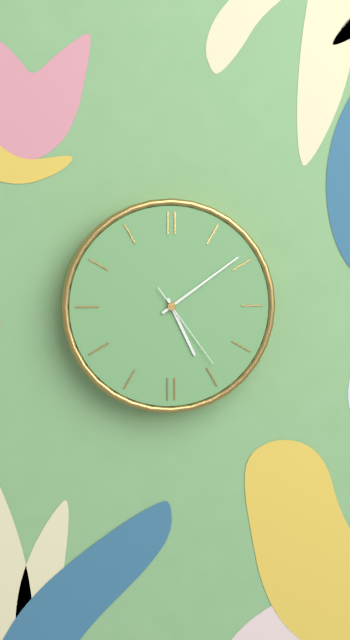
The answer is 5.09.24
